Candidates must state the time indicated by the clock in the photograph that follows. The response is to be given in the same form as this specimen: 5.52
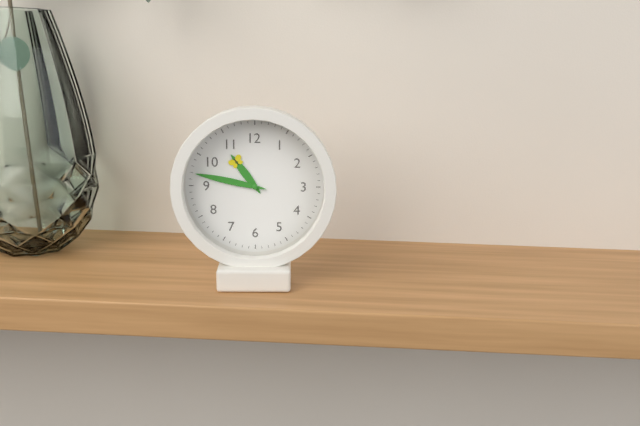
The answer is 10.47
